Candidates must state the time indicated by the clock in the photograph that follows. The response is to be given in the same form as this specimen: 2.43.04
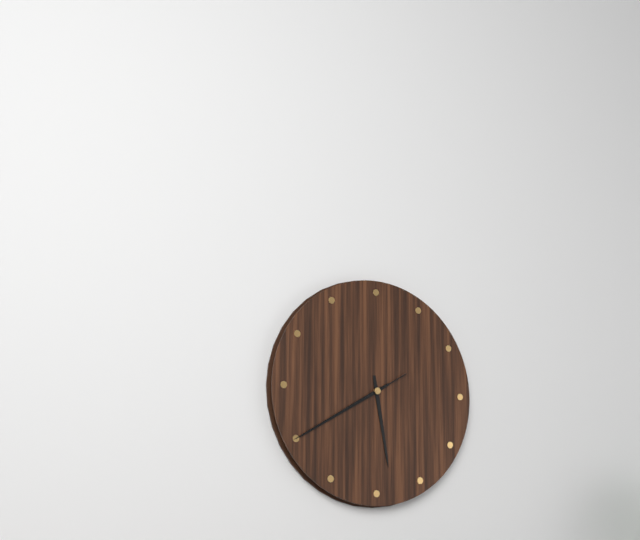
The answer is 5.40.40
